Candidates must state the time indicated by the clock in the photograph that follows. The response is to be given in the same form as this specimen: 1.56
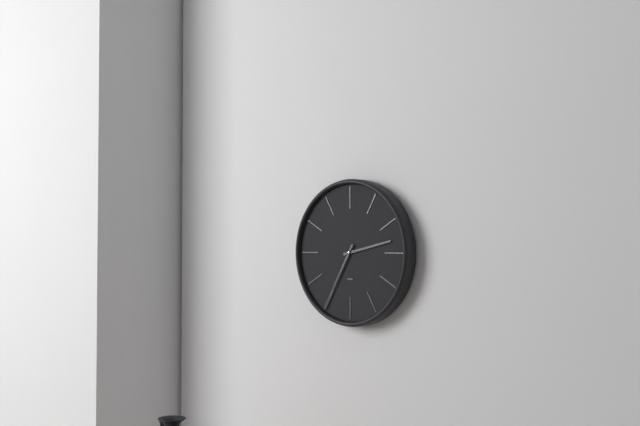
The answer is 2.35
